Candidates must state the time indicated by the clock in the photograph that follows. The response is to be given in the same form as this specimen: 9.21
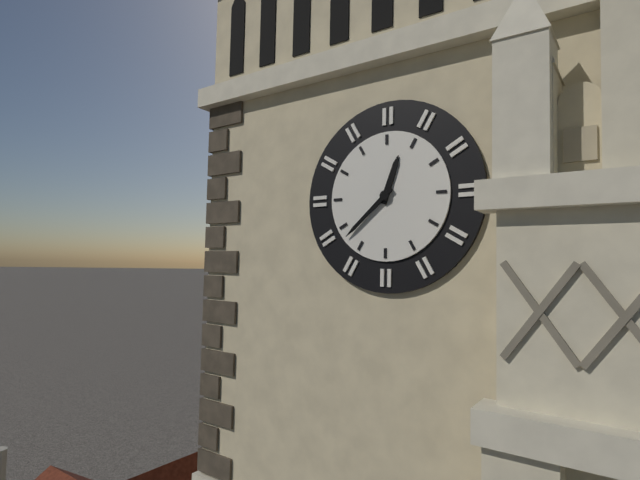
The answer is 12.38
